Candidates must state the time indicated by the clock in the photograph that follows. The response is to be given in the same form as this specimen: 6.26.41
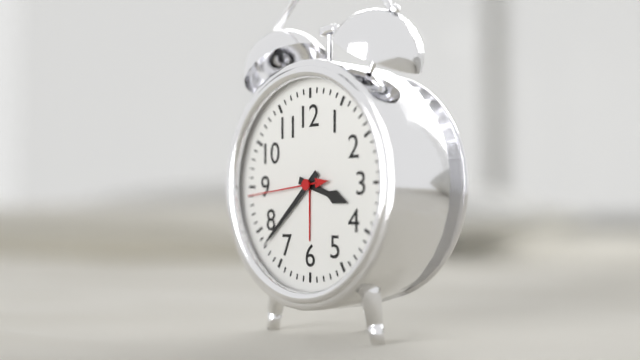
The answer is 3.38.44
